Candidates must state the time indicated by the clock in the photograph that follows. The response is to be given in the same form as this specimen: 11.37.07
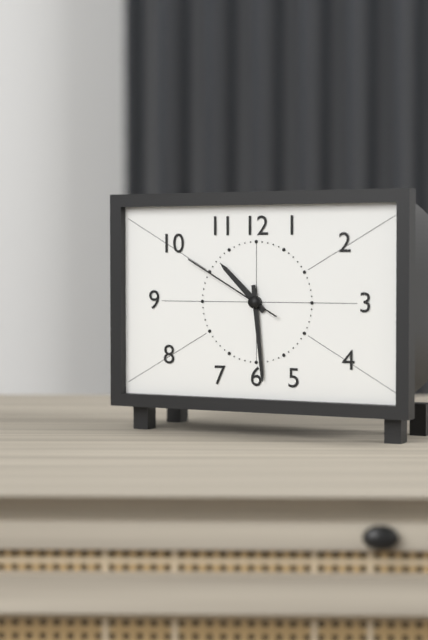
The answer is 10.29.50
